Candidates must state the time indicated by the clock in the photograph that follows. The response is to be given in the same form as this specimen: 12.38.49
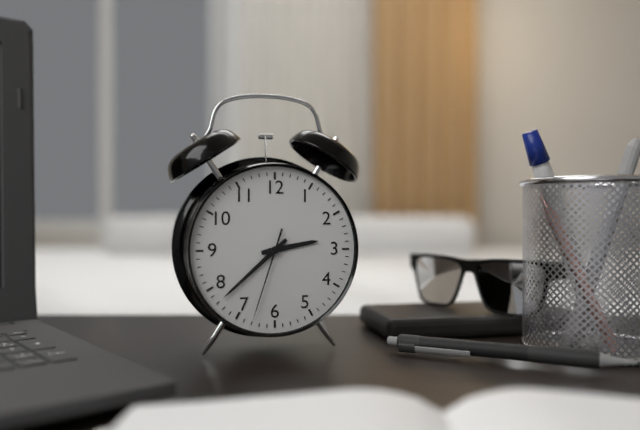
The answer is 2.38.33
